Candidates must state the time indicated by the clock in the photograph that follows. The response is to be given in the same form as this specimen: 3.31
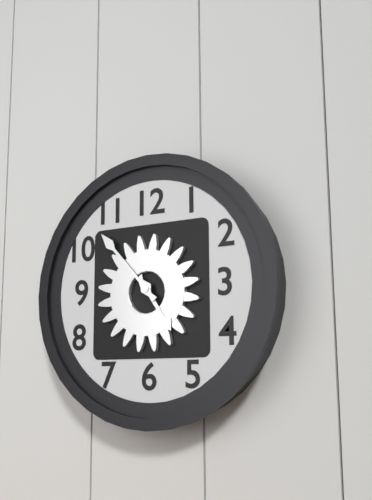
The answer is 4.53
